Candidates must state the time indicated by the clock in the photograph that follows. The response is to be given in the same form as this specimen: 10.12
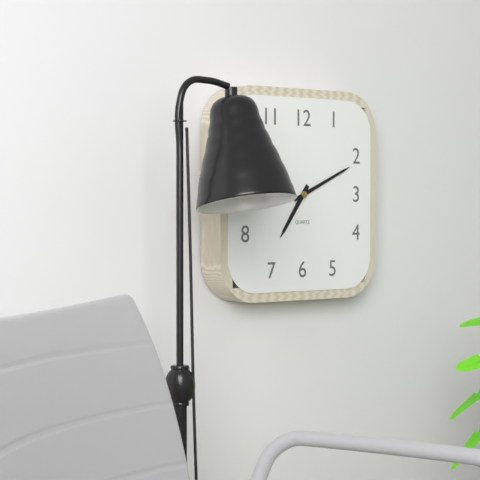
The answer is 7.11
